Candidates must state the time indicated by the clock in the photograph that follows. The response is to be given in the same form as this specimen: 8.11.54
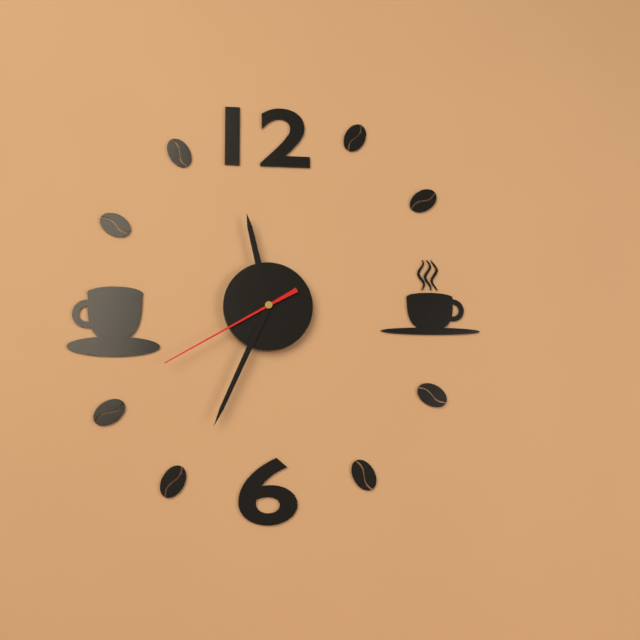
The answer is 11.34.40
